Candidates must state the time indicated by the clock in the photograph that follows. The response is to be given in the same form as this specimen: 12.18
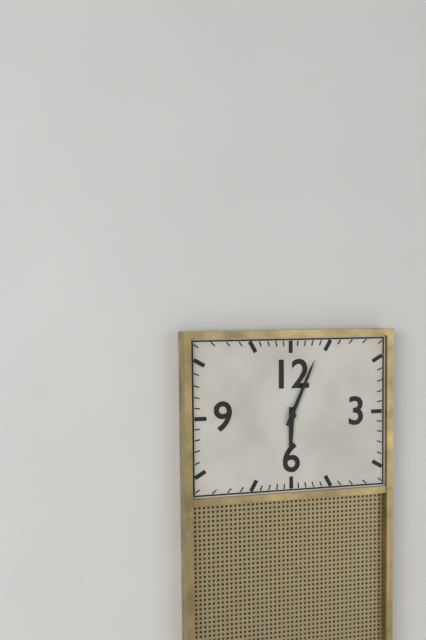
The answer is 6.04
